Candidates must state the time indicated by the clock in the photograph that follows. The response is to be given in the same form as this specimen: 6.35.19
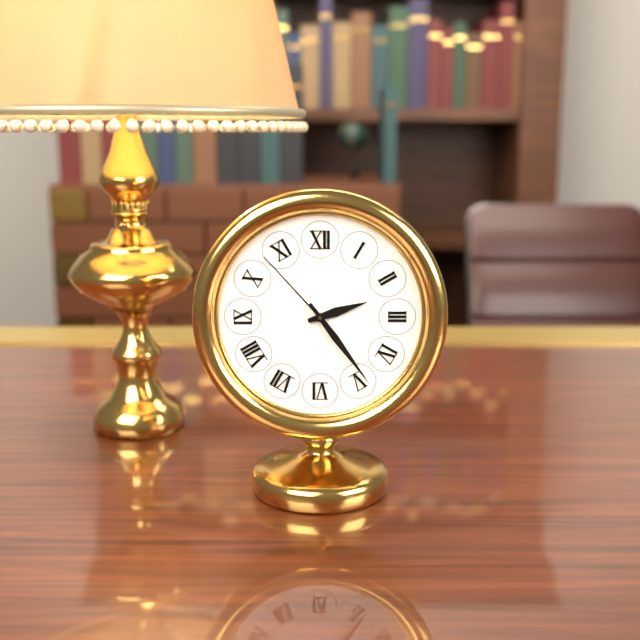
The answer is 2.24.53
